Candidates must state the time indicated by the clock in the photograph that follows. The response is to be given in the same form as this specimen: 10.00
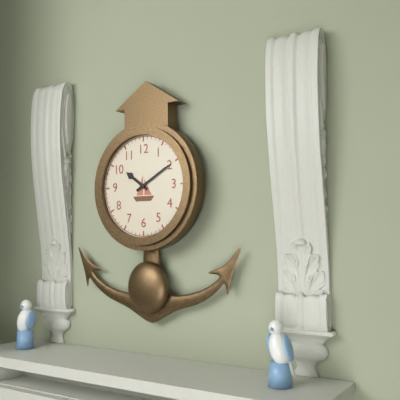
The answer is 10.10
